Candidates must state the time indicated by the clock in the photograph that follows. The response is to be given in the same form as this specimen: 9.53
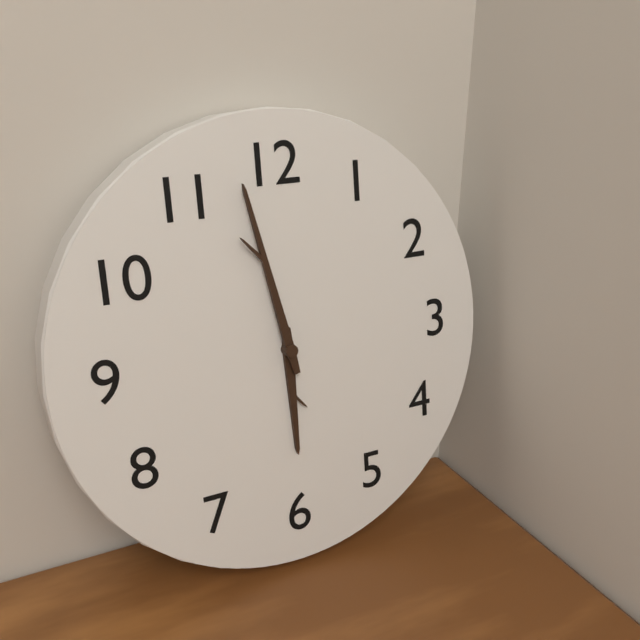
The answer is 5.58
